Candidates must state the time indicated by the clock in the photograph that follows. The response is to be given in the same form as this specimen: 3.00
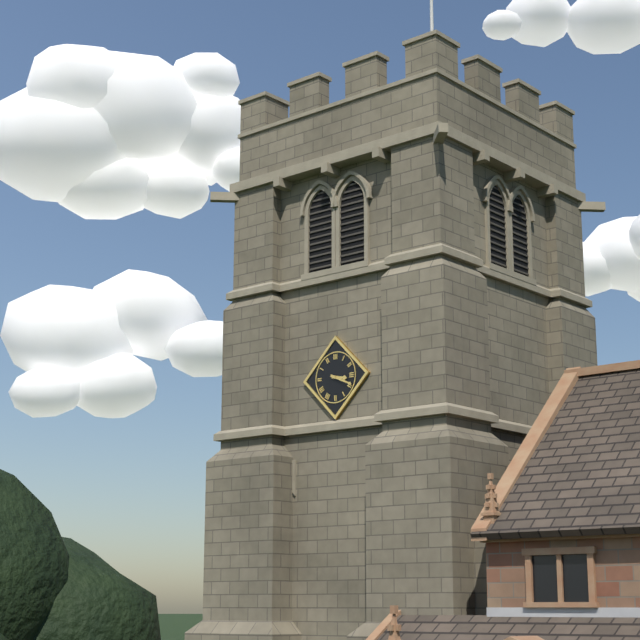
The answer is 3.19
